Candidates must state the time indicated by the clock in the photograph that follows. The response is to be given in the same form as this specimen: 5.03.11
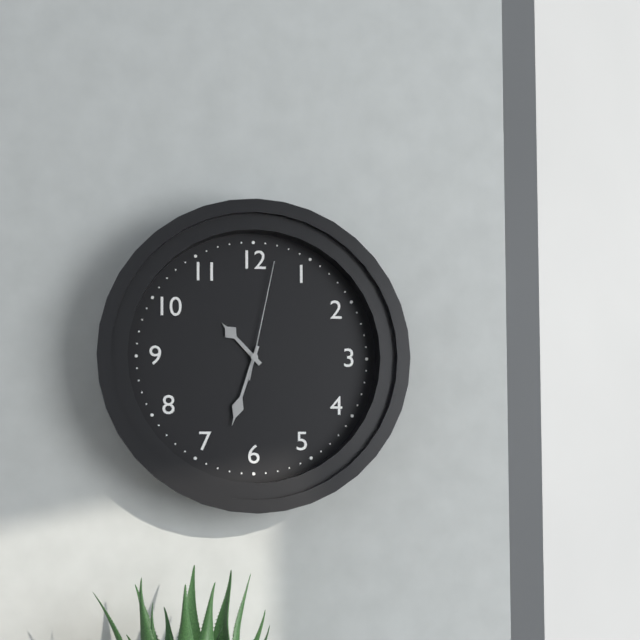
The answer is 10.33.02
